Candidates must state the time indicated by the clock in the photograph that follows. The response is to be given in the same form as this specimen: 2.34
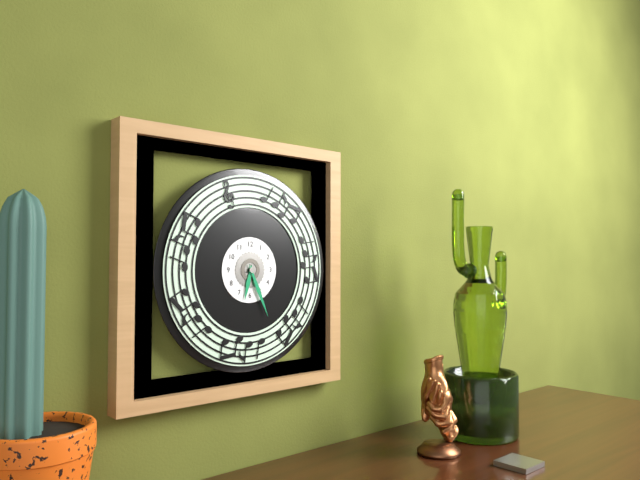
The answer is 6.26
